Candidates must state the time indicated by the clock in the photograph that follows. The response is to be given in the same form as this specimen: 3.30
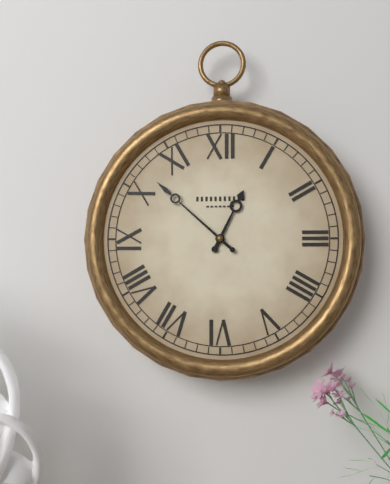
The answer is 12.52
